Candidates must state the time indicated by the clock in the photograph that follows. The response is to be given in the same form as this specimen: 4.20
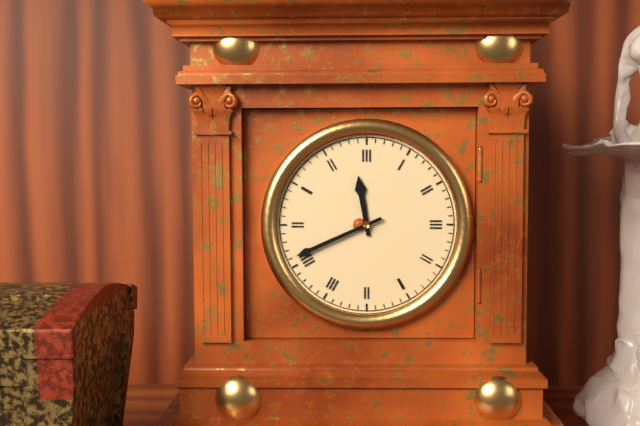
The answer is 11.41
